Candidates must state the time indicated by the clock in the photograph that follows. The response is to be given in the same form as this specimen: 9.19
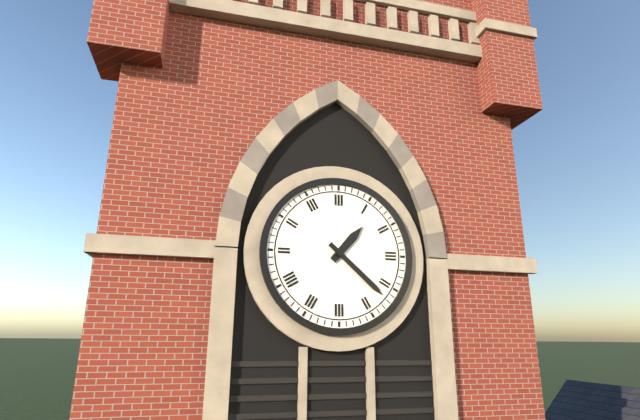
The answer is 1.22
